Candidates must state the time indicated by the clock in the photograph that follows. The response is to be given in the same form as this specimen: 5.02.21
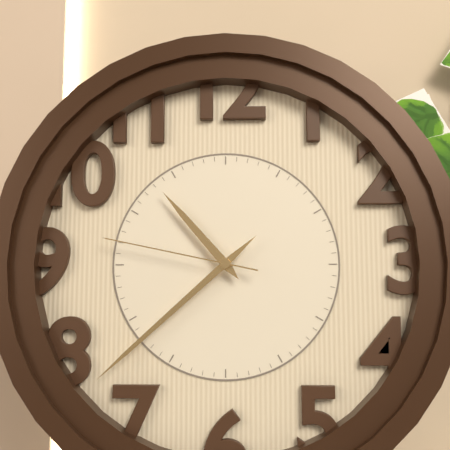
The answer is 10.38.47
